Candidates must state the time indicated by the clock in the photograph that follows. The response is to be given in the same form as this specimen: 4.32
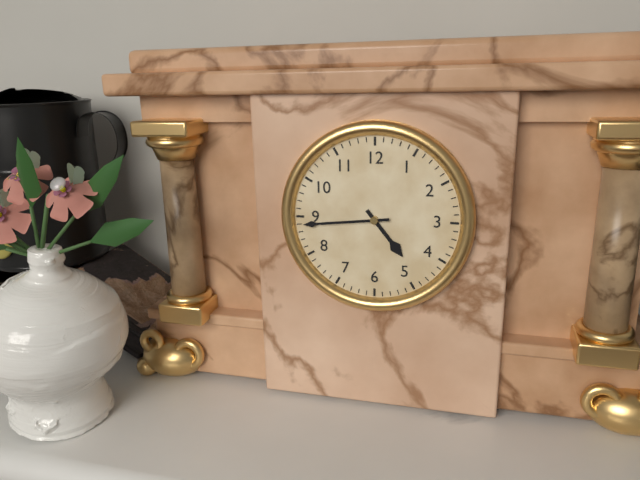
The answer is 4.44
